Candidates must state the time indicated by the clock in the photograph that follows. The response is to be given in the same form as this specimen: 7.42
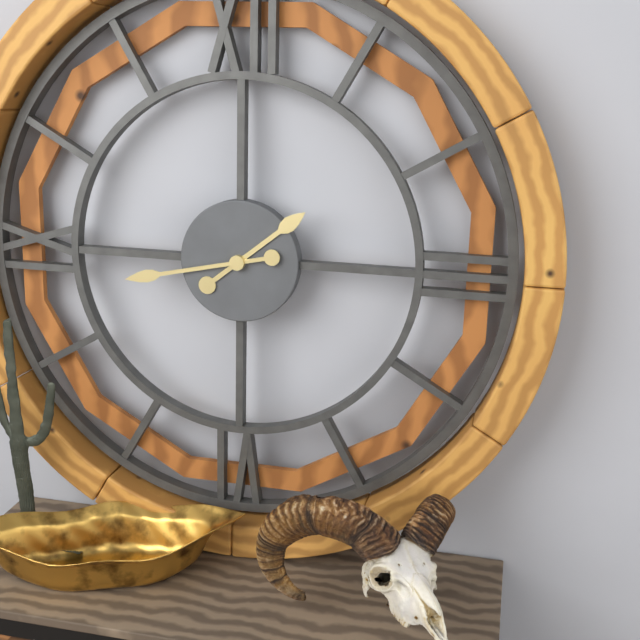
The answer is 1.43
